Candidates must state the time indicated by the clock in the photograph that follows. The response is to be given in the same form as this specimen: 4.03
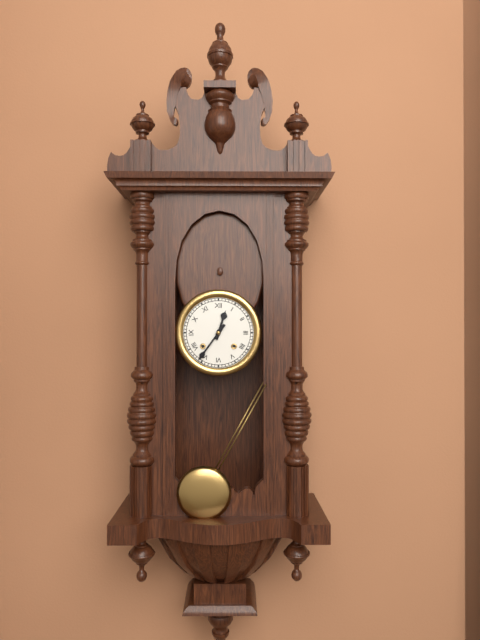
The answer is 12.36
